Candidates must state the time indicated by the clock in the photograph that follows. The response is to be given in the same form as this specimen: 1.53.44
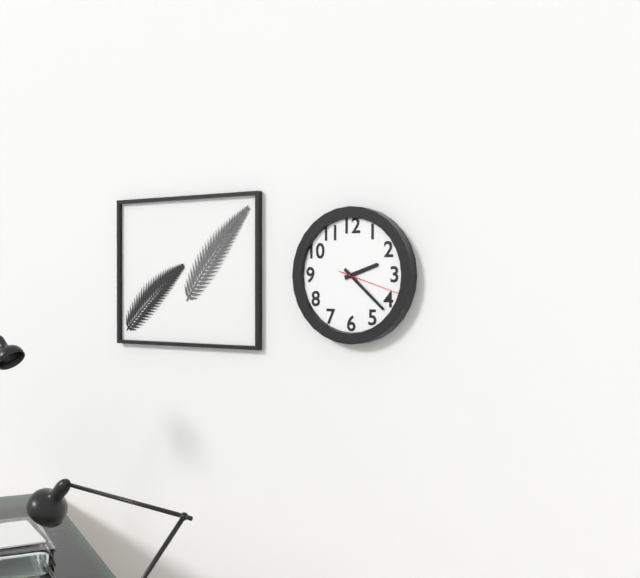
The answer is 2.22.18
